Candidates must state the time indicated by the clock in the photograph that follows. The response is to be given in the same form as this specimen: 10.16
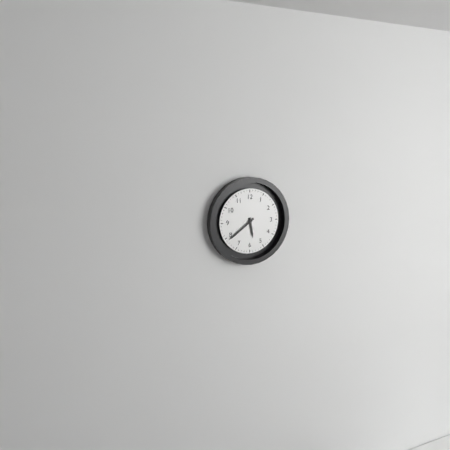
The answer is 5.39
